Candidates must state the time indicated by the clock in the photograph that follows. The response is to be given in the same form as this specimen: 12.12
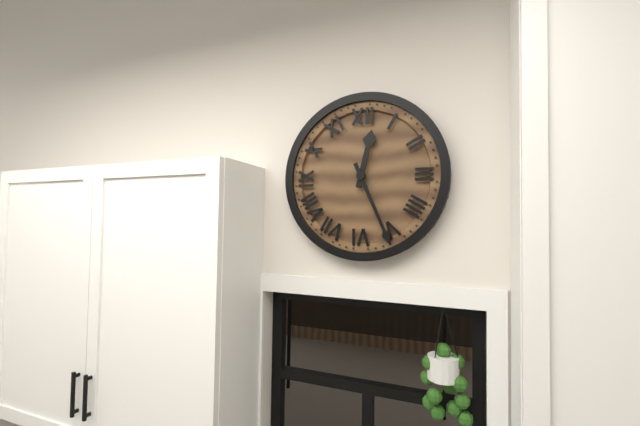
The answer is 12.26
